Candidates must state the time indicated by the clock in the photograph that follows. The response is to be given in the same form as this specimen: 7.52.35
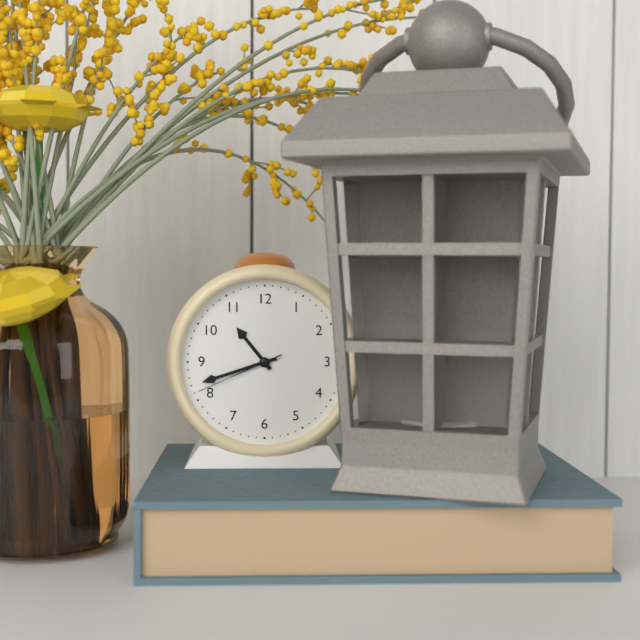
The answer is 10.42.41
